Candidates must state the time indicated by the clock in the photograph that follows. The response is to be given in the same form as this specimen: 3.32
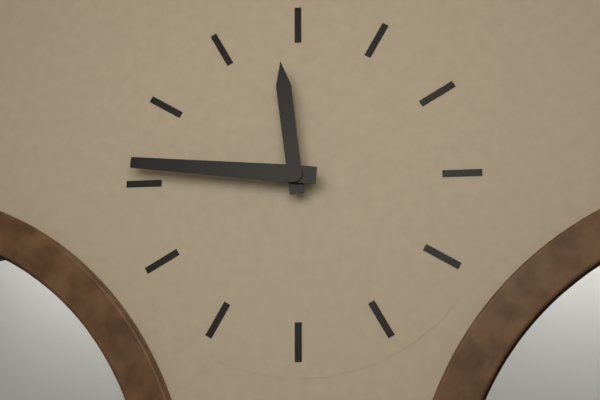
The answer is 11.46
